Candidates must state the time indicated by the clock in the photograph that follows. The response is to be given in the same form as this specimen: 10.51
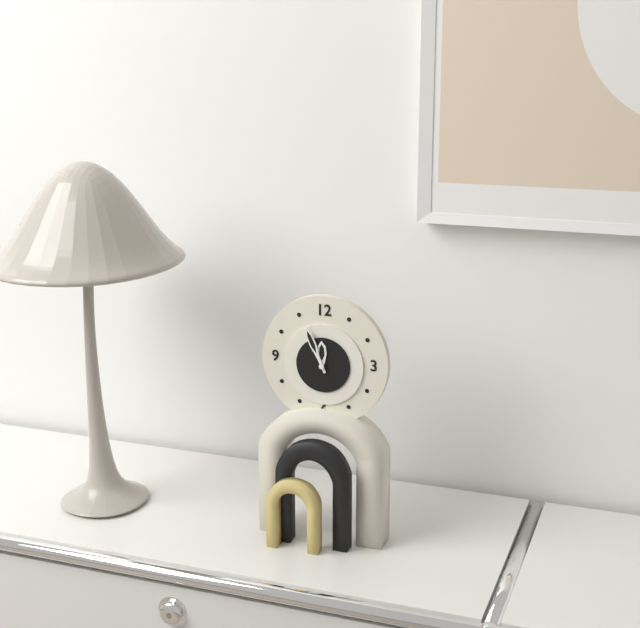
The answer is 11.56
